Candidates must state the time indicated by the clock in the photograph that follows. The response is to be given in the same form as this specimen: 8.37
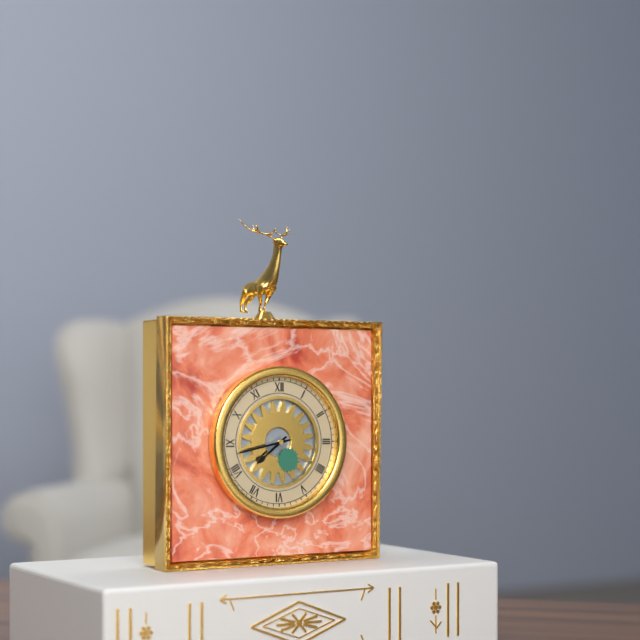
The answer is 7.43
